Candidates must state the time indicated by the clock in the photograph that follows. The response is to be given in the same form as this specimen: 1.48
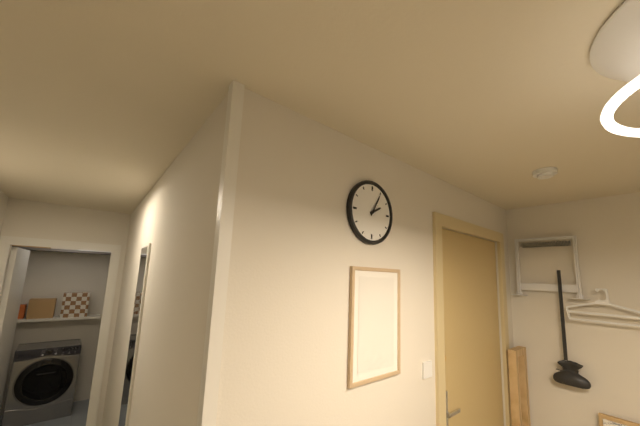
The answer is 2.05
